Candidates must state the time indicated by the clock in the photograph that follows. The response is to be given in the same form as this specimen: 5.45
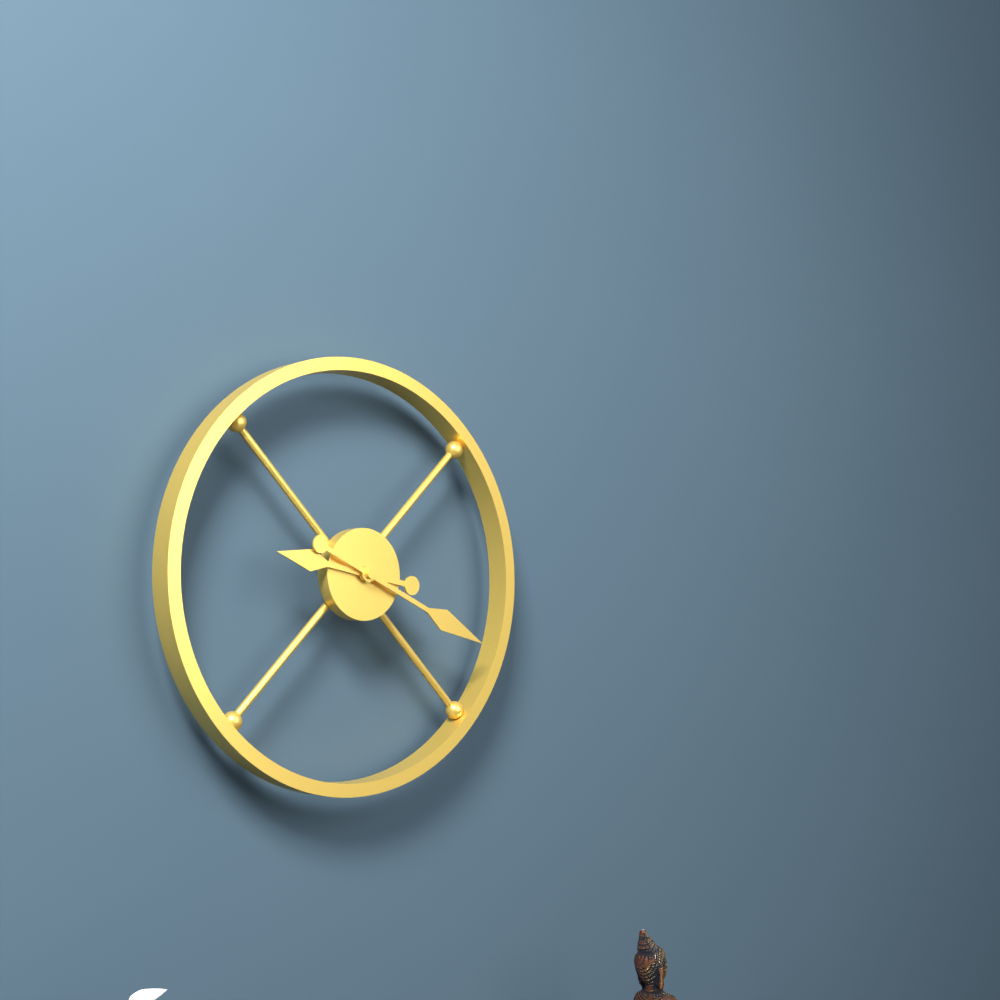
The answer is 9.19
